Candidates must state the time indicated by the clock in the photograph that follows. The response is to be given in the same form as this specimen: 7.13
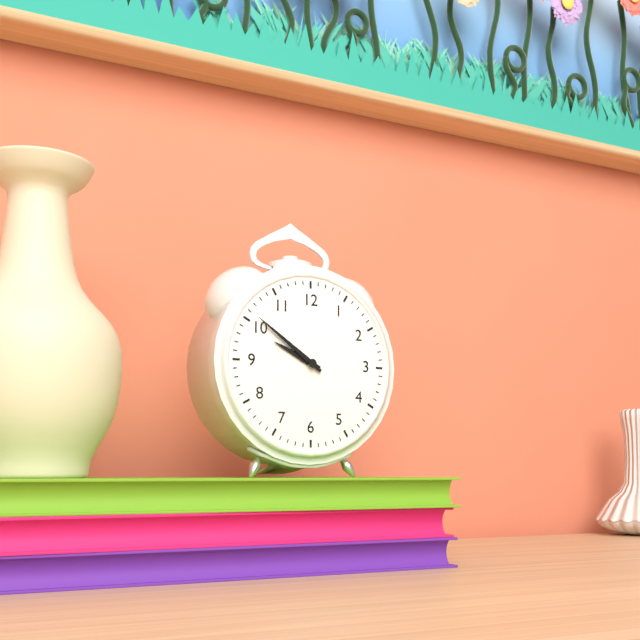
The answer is 9.51
